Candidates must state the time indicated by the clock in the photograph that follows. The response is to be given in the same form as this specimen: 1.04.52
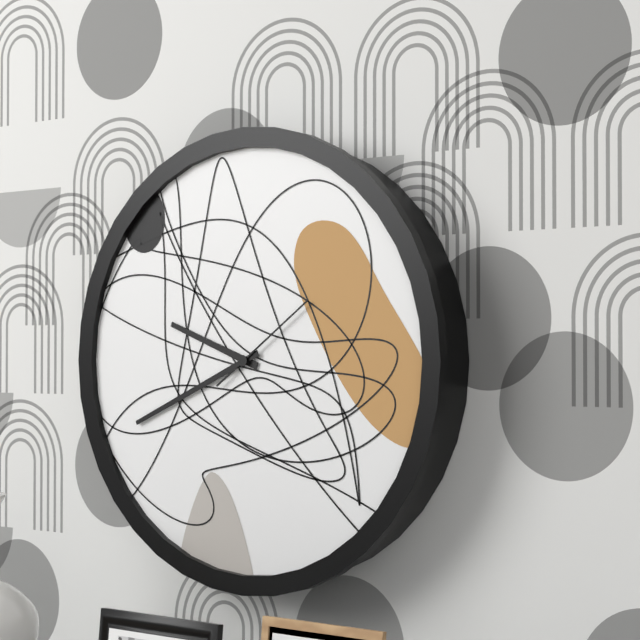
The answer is 9.41.09
